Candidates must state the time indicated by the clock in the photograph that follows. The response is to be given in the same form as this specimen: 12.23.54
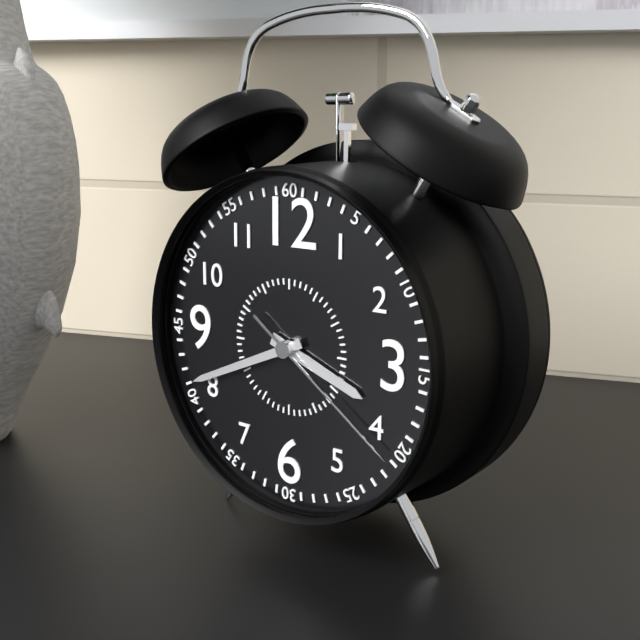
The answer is 3.41.21
